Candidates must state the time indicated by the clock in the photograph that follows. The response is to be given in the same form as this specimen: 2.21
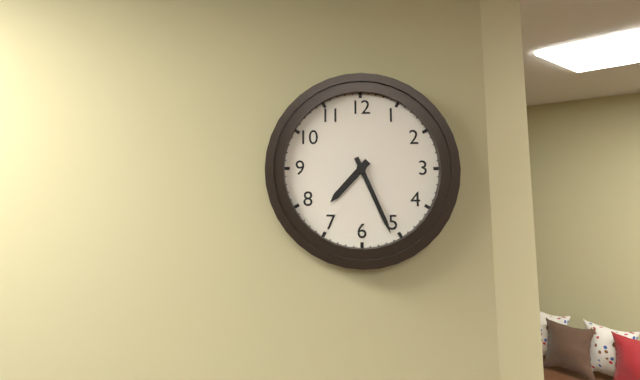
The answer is 7.26
